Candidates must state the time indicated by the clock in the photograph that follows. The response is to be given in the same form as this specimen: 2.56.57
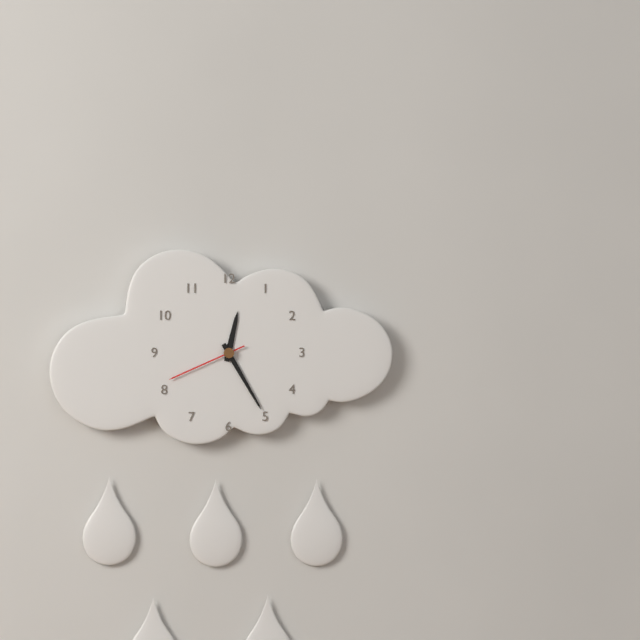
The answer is 12.25.41
